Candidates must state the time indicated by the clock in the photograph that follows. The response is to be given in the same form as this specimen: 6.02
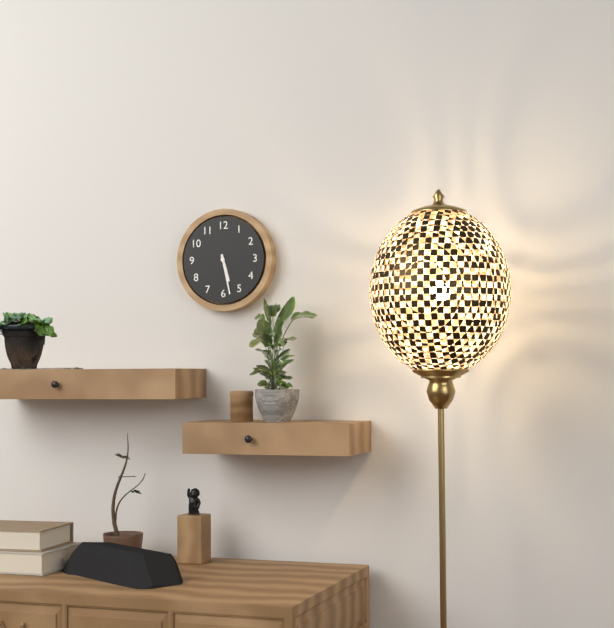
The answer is 5.28
